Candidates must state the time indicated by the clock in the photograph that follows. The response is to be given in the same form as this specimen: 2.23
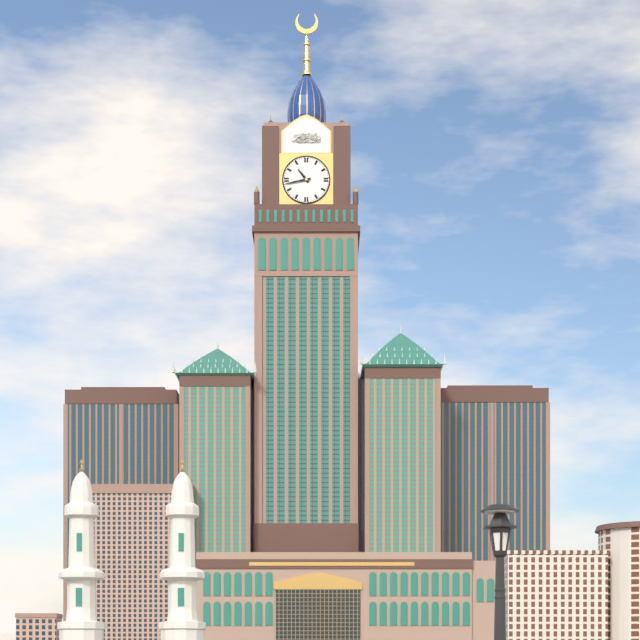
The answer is 10.43
